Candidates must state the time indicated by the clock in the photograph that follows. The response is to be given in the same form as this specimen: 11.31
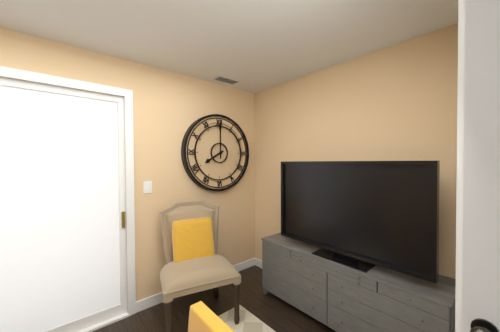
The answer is 8.00
